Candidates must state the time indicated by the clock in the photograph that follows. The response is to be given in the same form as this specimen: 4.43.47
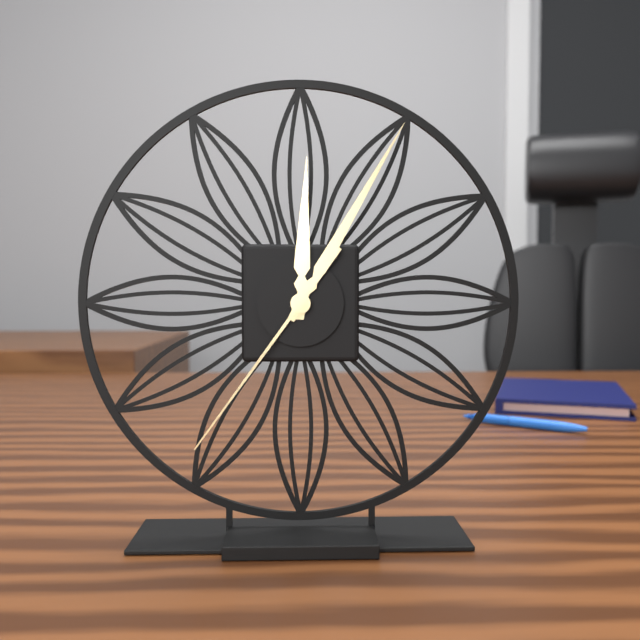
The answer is 12.05.36
